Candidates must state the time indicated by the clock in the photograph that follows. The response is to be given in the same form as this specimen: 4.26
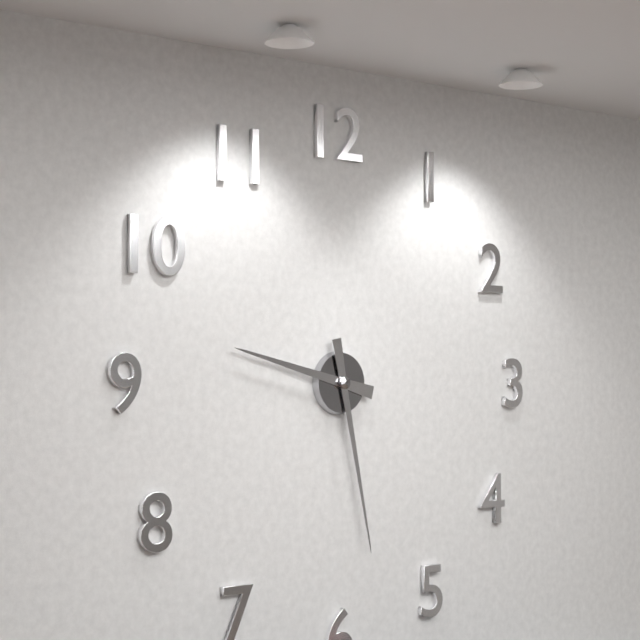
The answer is 9.28
